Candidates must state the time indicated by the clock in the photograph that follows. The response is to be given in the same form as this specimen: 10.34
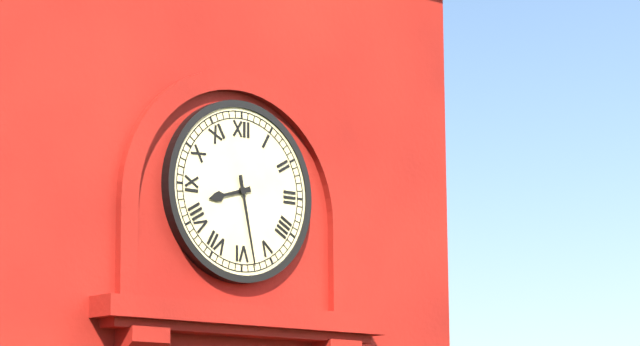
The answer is 8.28
